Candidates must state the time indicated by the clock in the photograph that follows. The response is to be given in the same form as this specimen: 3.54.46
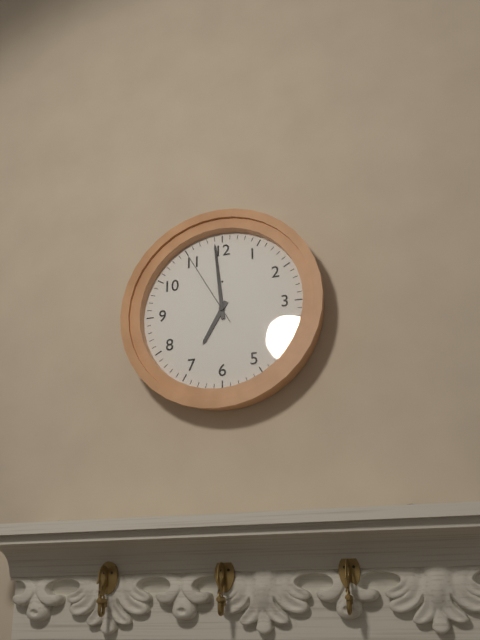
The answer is 6.59.55
